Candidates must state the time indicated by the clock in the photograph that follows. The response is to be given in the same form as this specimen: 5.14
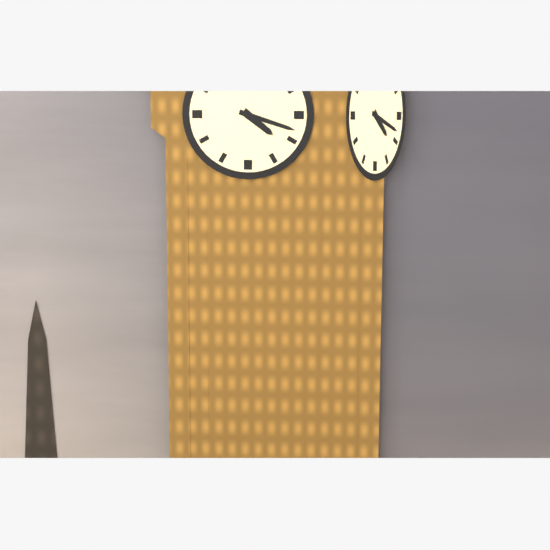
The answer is 4.18
